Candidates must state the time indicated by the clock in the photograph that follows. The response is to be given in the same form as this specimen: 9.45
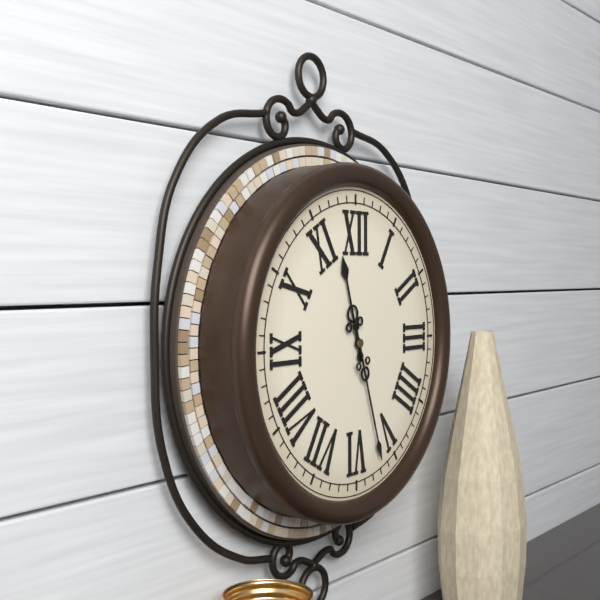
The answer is 11.27
